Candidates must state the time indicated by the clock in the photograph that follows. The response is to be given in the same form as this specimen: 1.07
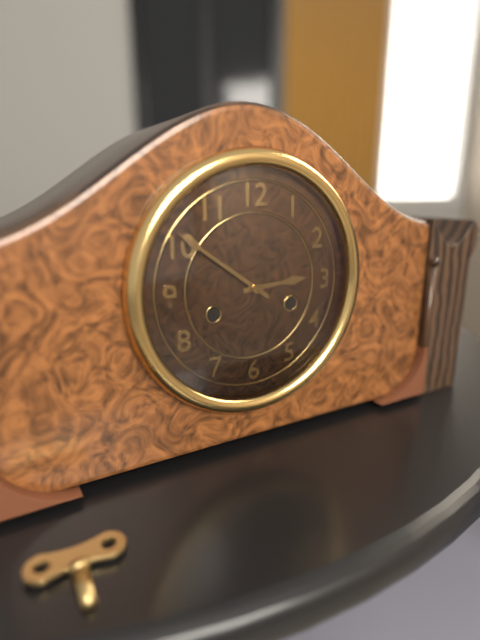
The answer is 2.51
